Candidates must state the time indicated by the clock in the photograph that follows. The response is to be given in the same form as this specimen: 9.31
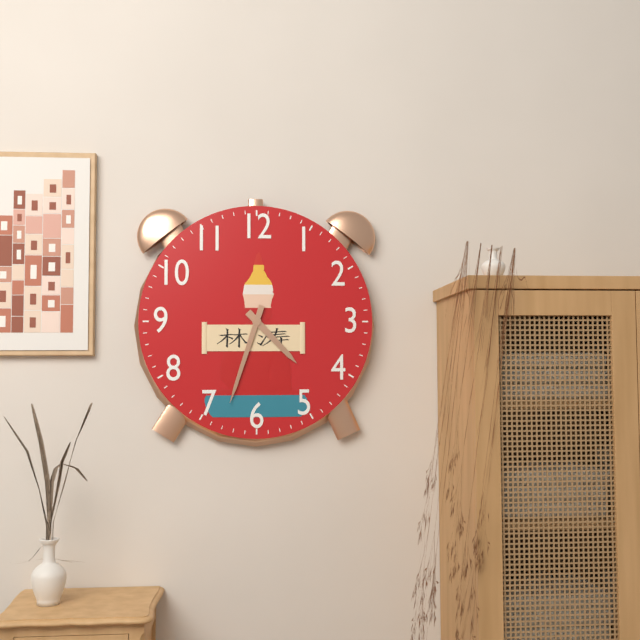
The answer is 4.33
